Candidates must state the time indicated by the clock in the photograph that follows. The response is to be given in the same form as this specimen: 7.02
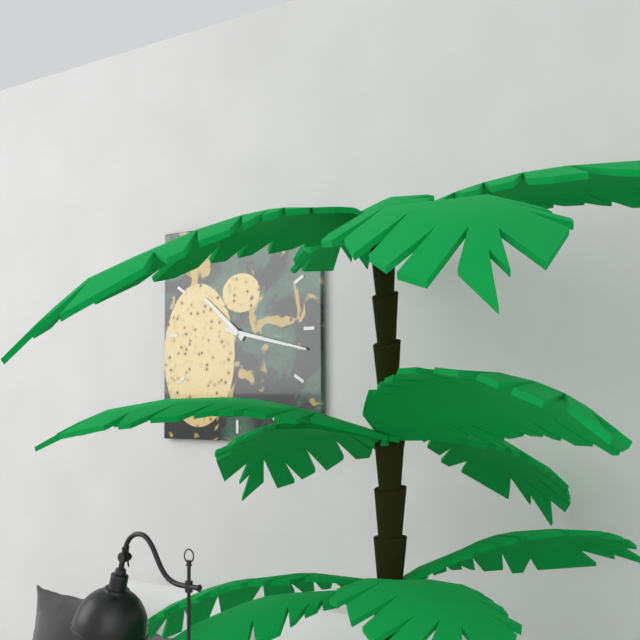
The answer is 10.17
